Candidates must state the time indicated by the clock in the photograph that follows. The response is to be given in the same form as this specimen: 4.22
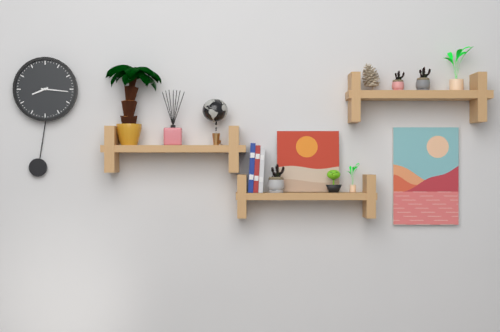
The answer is 8.16
